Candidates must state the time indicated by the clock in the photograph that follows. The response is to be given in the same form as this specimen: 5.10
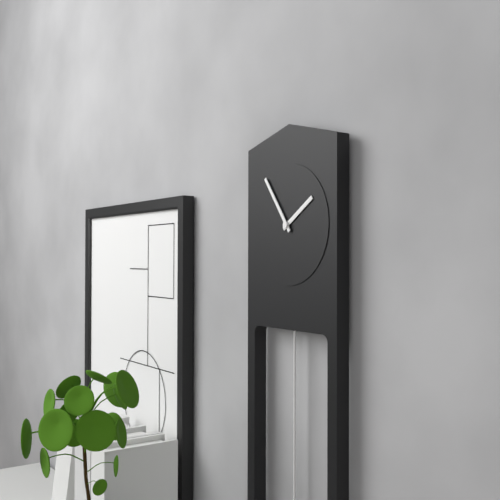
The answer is 1.54
